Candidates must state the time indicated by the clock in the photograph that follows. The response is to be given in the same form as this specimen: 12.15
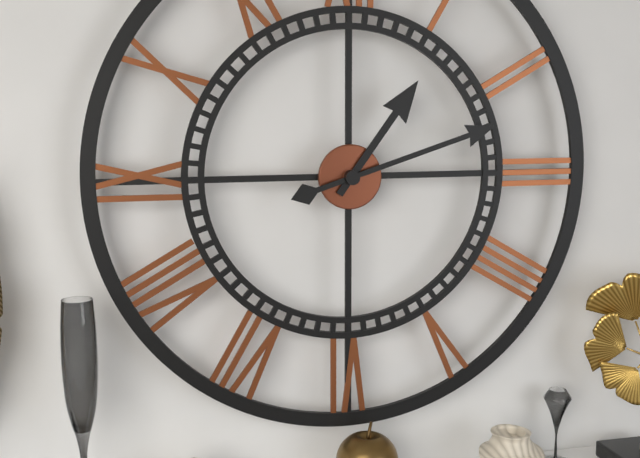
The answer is 1.12
